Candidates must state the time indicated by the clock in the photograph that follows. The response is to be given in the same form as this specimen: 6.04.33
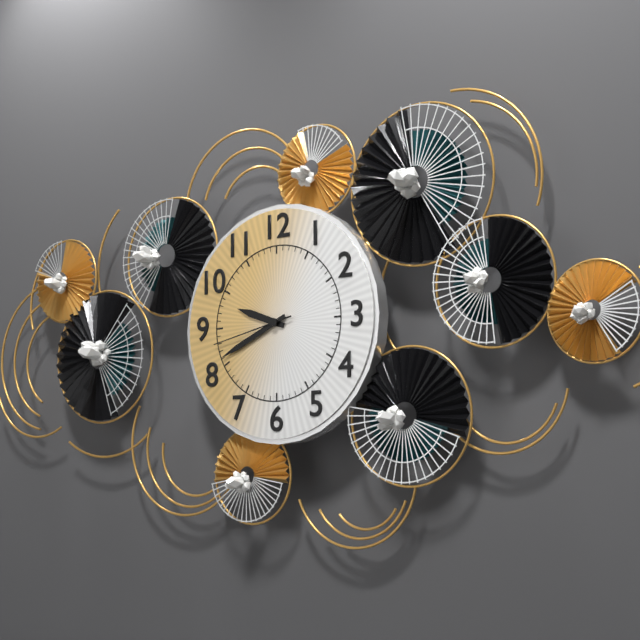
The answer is 9.41.43
